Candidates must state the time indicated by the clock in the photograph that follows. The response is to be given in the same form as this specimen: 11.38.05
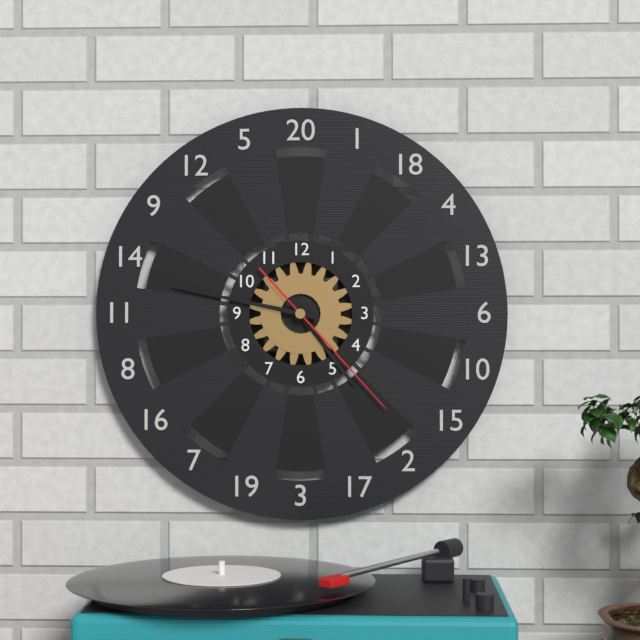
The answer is 4.47.23
